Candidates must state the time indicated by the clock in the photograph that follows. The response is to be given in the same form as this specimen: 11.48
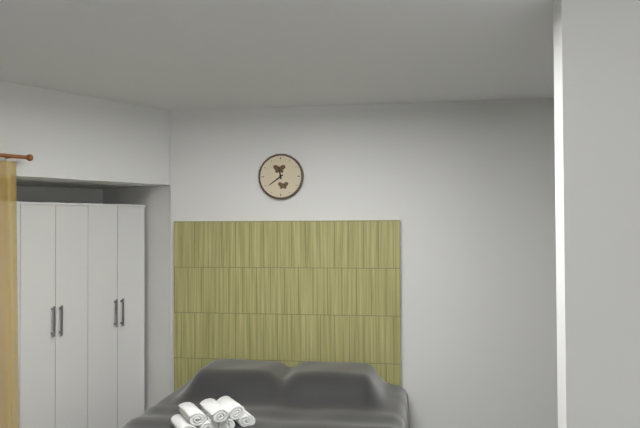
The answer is 11.39
